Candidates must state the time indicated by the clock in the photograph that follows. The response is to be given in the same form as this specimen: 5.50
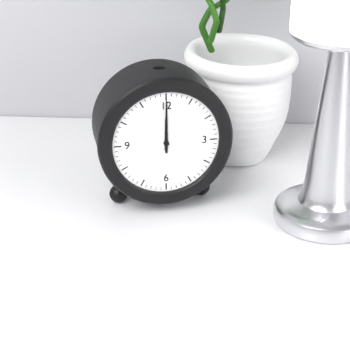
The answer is 12.00
